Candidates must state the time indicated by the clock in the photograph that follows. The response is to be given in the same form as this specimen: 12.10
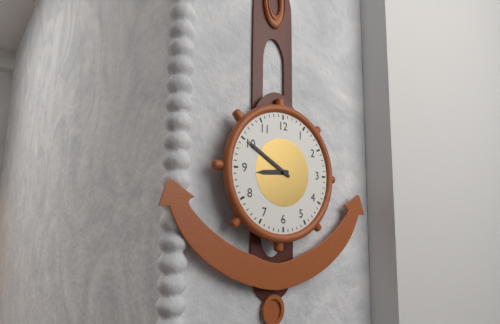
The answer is 8.50
